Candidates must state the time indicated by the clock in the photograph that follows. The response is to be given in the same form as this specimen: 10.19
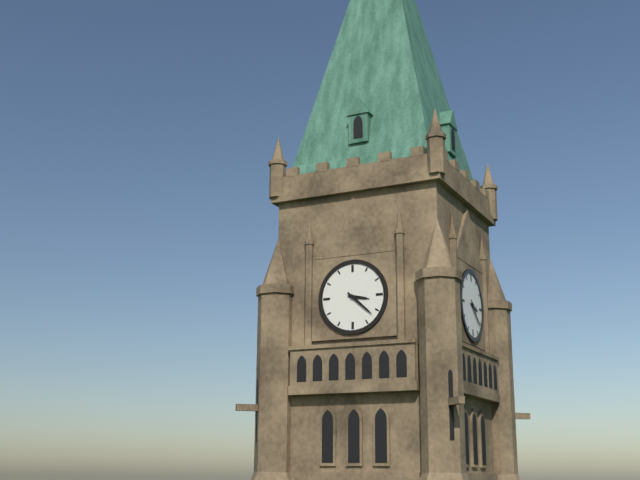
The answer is 3.22
